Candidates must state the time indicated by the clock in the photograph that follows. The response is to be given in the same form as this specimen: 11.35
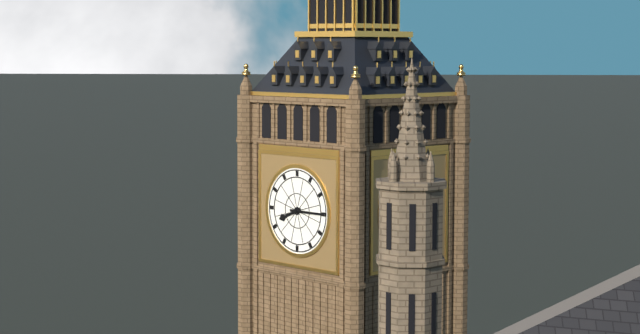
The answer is 8.15
